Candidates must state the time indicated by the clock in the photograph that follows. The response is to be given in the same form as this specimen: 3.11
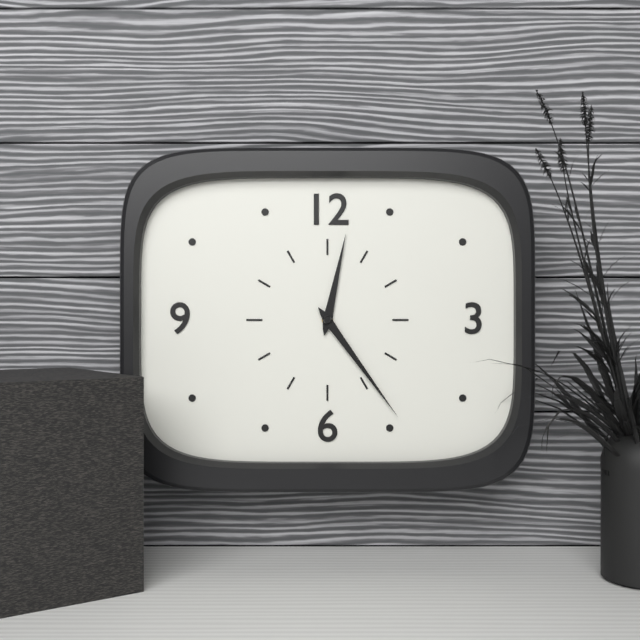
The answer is 12.24
